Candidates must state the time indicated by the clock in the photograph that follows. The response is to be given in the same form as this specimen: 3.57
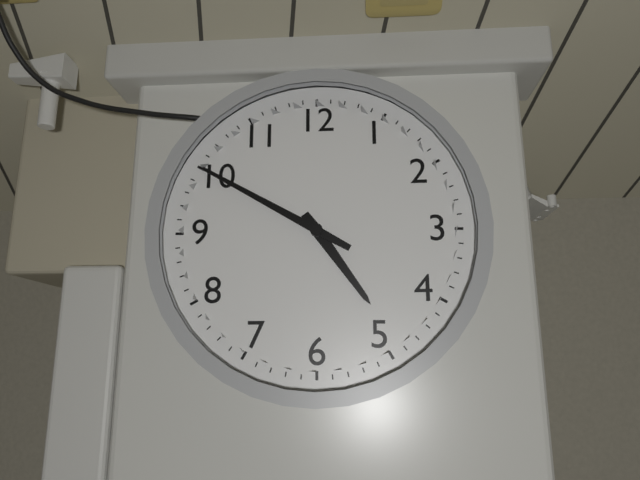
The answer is 4.50
